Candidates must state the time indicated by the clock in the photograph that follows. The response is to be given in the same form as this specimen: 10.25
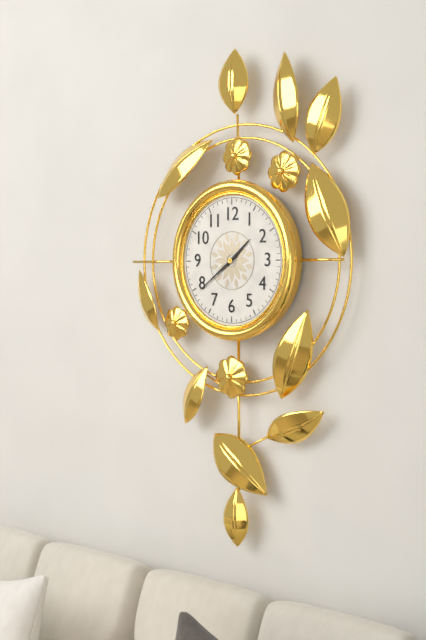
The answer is 1.39
